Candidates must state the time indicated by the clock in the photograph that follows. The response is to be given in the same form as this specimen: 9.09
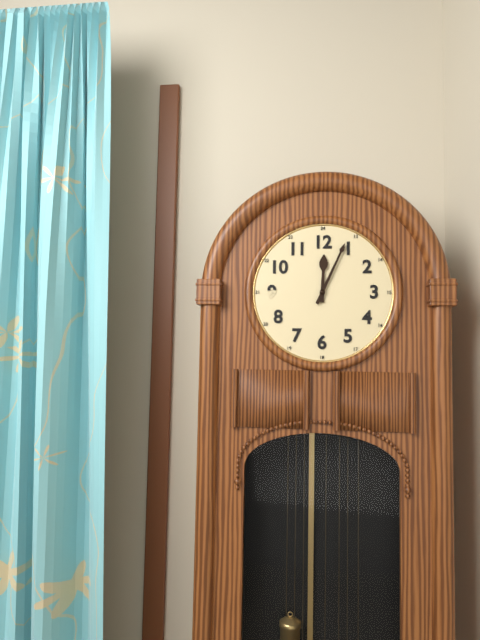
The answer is 12.04
